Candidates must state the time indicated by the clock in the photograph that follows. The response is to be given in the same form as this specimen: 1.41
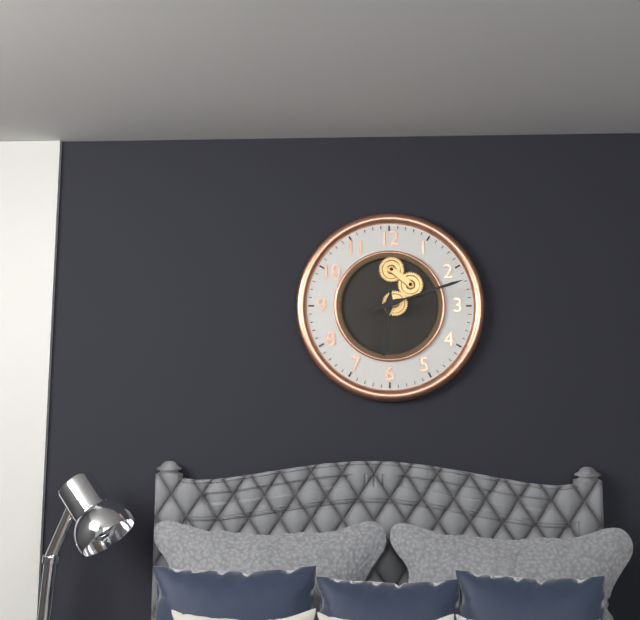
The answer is 6.12
